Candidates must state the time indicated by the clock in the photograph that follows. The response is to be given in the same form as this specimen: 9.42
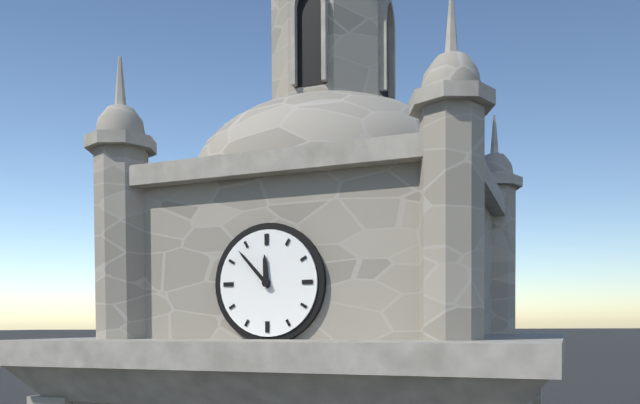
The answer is 11.53
